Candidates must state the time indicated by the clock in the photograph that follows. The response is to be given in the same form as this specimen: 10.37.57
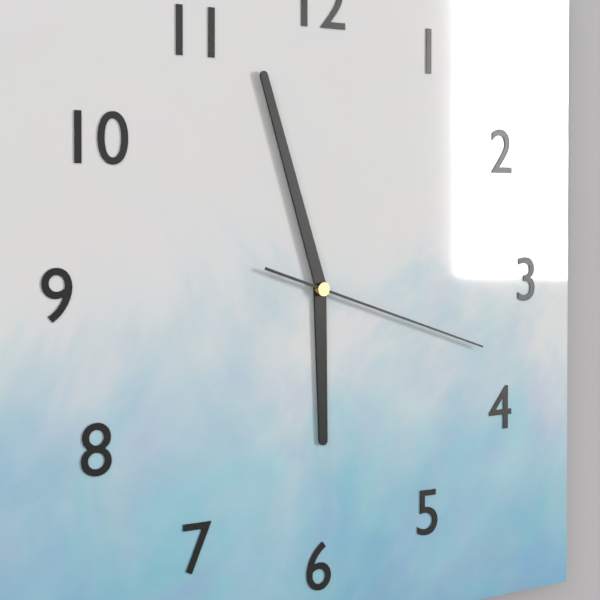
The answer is 5.57.18
